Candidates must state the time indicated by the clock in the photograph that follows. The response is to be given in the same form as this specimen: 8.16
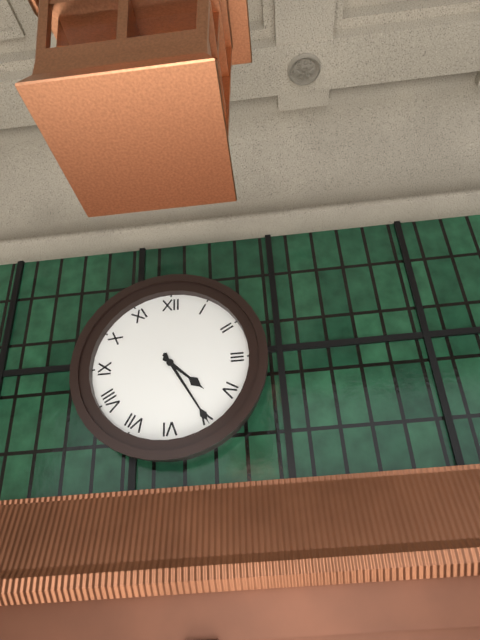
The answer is 4.25
